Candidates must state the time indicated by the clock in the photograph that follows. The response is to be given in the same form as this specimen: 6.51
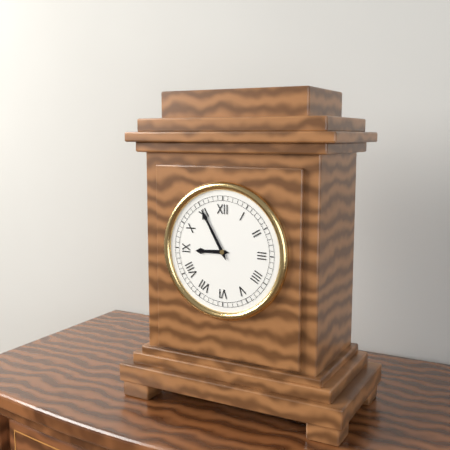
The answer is 8.55
